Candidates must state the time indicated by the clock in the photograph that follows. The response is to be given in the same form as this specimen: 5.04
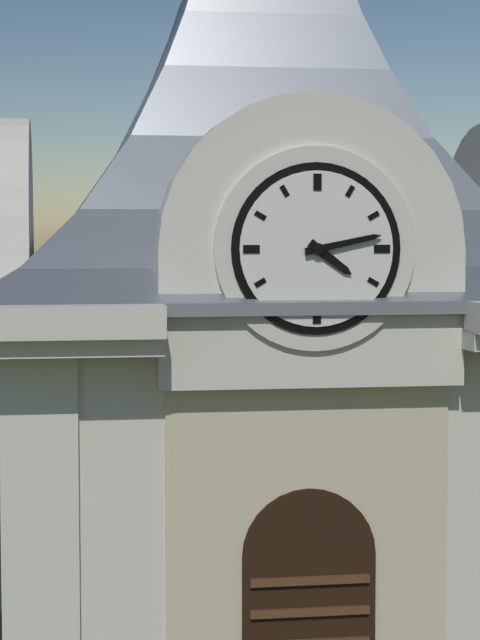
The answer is 4.13
